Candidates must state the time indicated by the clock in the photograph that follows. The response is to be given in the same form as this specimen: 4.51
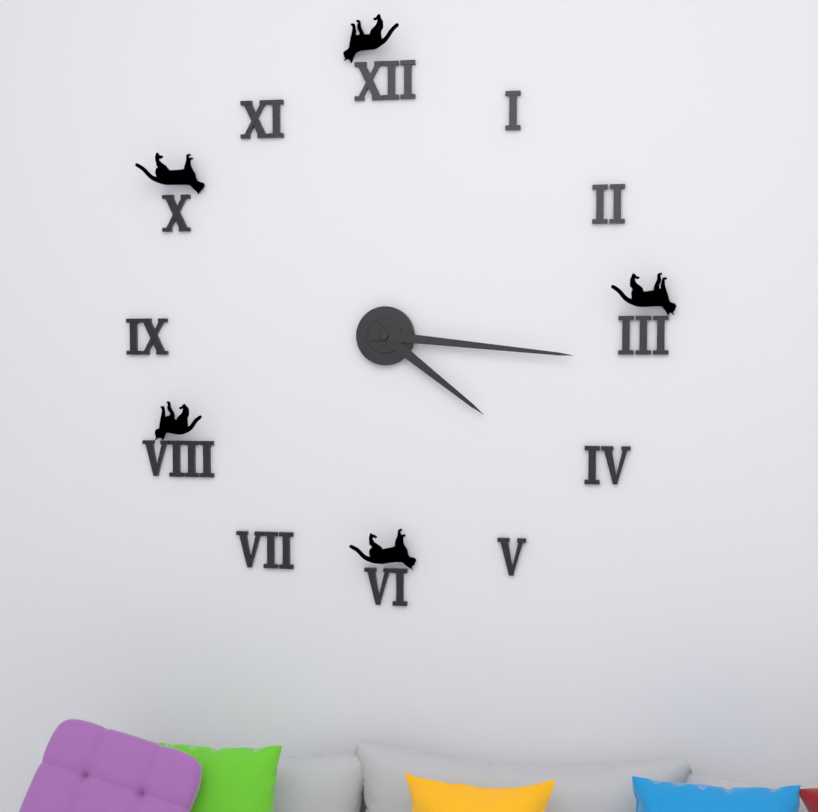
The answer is 4.16
